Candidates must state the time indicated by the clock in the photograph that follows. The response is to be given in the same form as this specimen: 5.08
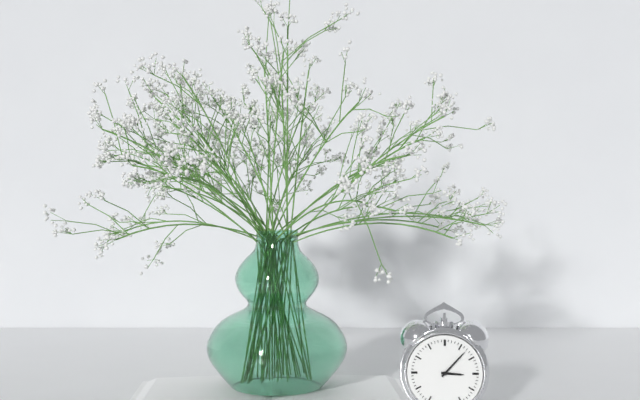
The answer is 3.07
